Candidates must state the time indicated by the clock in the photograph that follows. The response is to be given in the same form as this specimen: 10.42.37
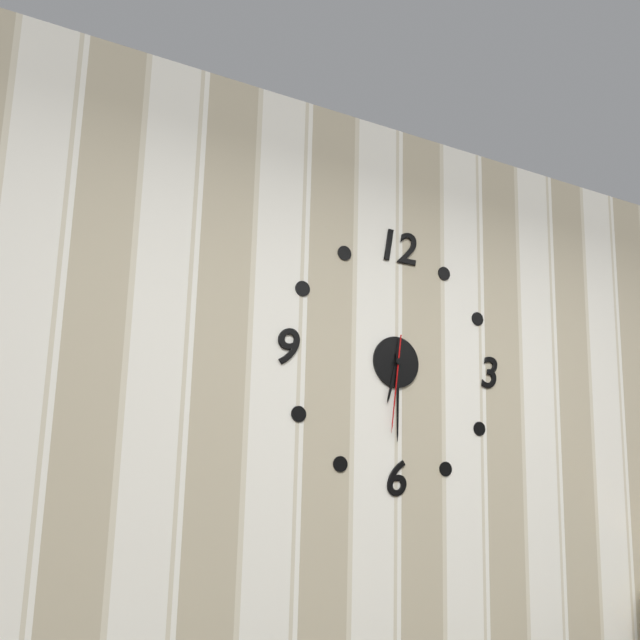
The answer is 6.30.31
